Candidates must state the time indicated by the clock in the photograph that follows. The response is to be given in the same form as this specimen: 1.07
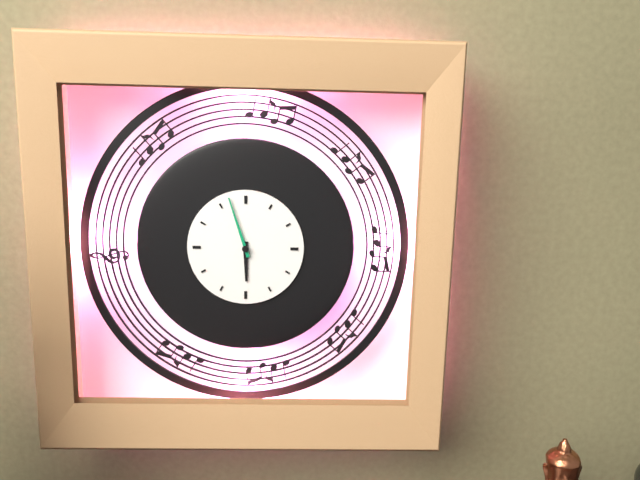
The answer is 5.57
